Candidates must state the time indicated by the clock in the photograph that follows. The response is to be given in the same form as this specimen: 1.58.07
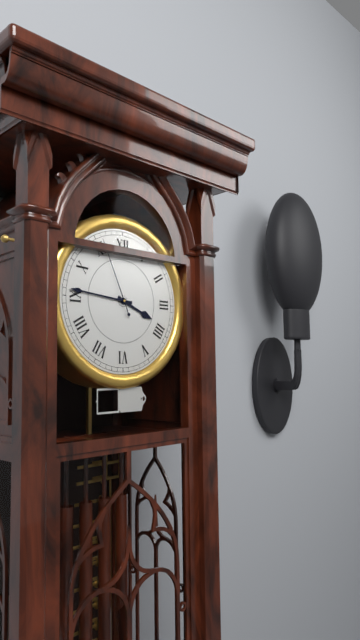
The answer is 3.46.56
